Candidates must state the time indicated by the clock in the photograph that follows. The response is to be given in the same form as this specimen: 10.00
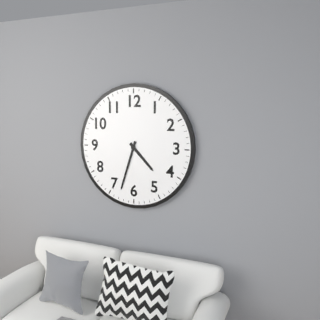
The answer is 4.33
